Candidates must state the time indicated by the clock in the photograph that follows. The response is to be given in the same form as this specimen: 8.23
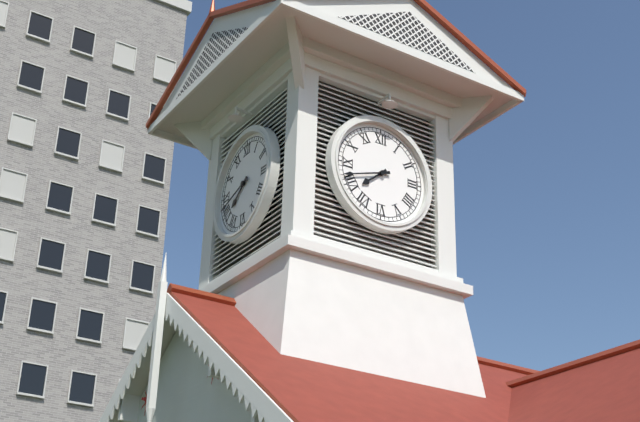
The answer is 7.42
